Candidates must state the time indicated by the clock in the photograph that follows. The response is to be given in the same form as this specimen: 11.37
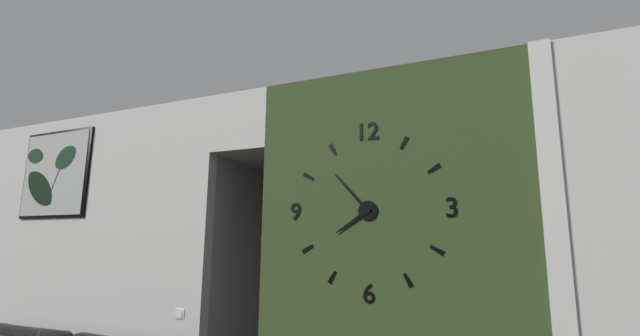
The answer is 7.53
